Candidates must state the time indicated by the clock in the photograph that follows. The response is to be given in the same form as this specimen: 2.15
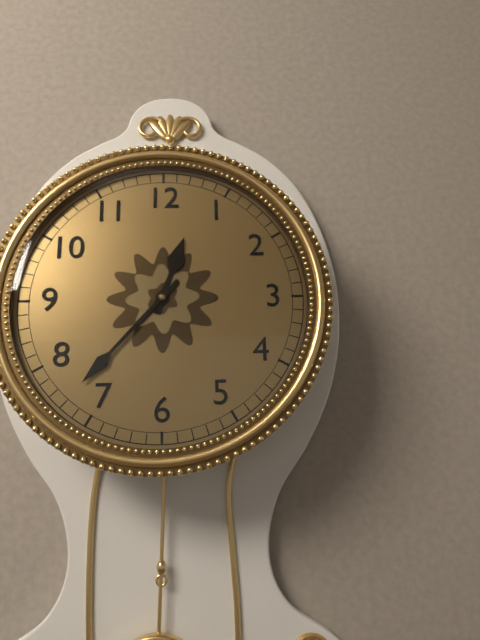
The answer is 12.37
